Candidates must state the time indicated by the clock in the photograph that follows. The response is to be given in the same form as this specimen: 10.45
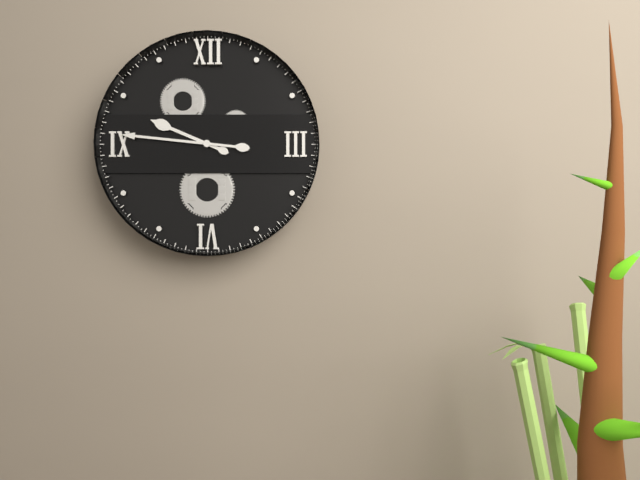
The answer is 9.46
